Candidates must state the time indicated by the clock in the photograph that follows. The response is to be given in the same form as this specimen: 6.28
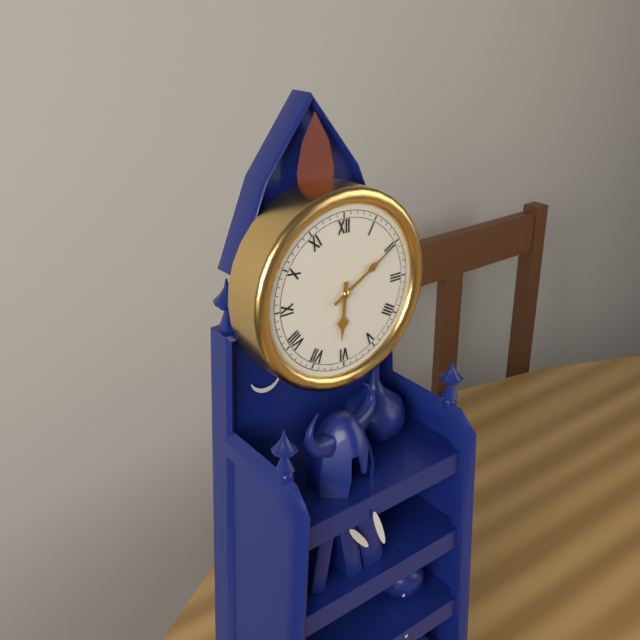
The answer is 6.10
